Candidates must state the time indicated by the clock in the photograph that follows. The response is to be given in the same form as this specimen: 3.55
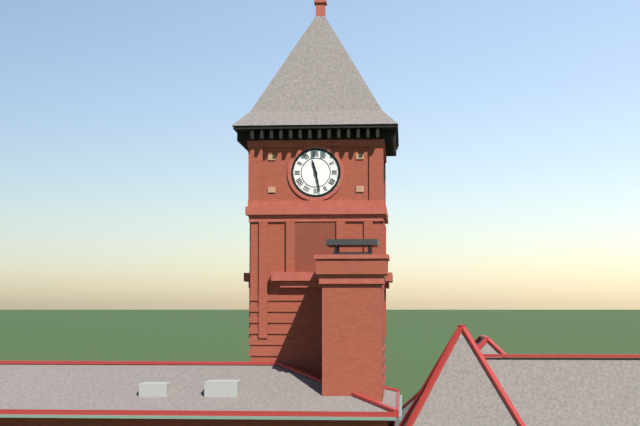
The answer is 11.28
